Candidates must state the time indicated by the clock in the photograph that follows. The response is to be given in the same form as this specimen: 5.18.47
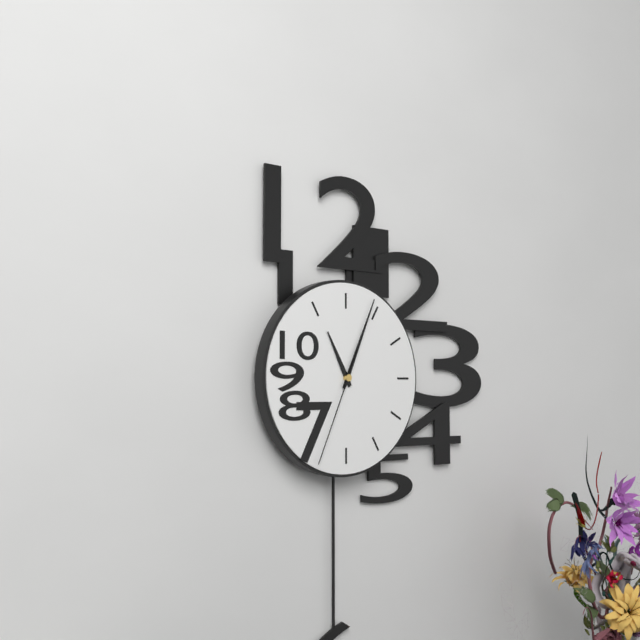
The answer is 11.04.34
